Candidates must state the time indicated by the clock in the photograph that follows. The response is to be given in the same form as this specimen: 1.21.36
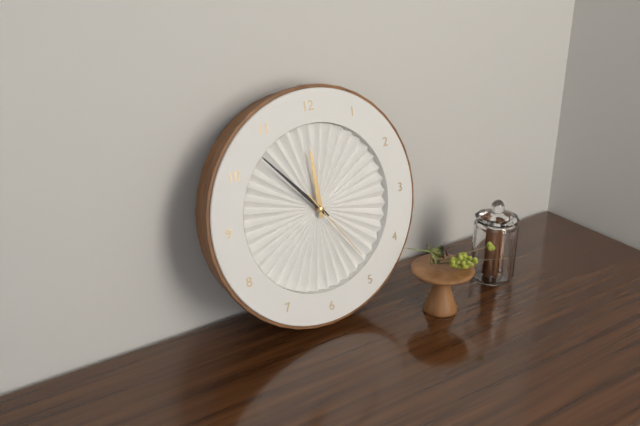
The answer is 11.53.24
